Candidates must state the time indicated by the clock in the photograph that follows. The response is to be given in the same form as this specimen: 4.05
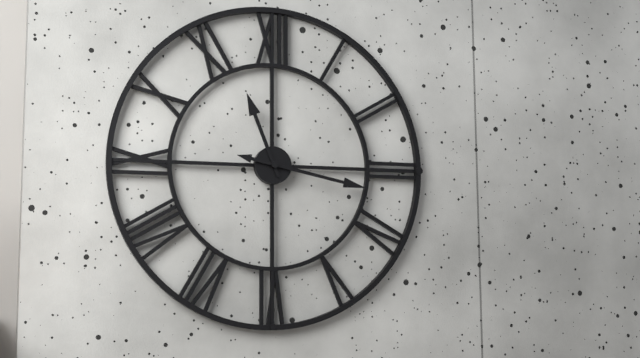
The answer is 11.17
